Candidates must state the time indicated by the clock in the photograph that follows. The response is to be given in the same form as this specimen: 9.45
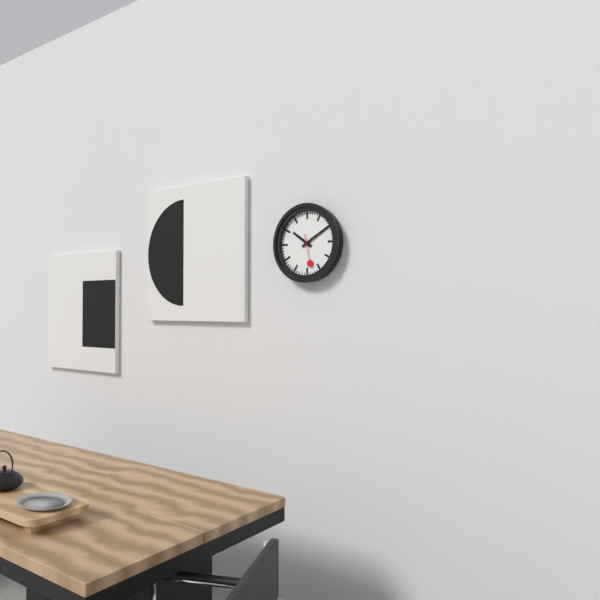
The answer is 10.10
